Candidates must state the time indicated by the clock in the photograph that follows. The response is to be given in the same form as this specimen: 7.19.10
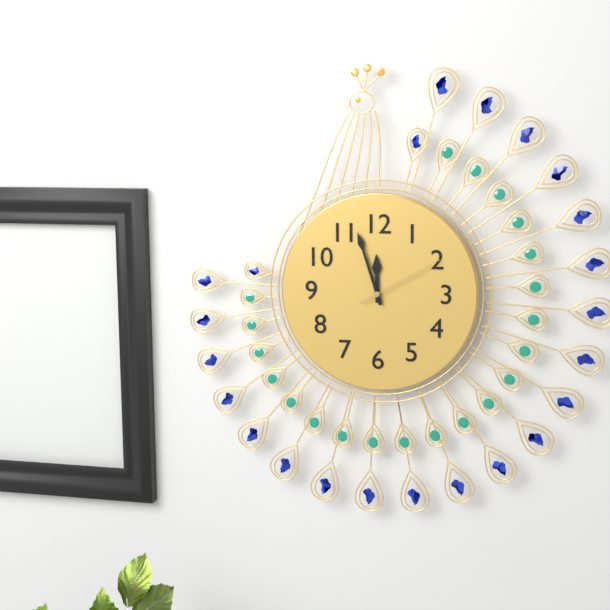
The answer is 11.57.10
